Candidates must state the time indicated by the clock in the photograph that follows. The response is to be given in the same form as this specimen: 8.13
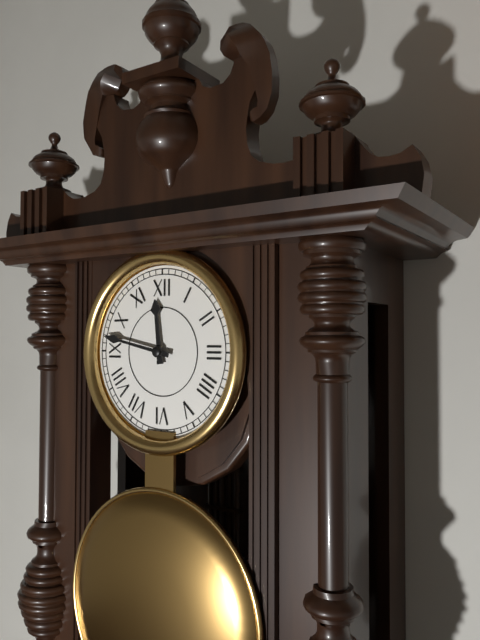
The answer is 11.47
